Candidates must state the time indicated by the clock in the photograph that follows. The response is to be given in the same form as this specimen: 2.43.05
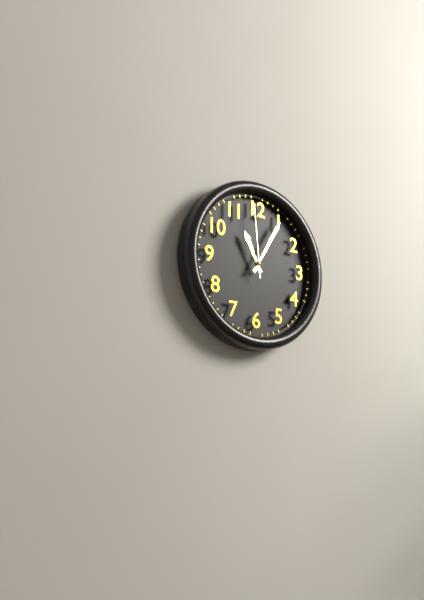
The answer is 11.05.59
